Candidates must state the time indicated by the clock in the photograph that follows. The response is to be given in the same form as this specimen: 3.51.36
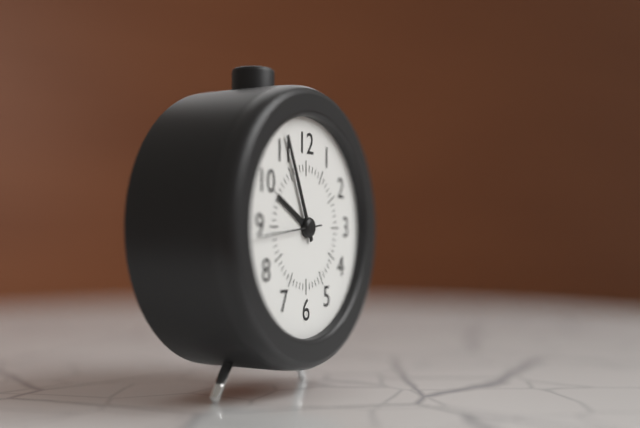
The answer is 9.56.44
